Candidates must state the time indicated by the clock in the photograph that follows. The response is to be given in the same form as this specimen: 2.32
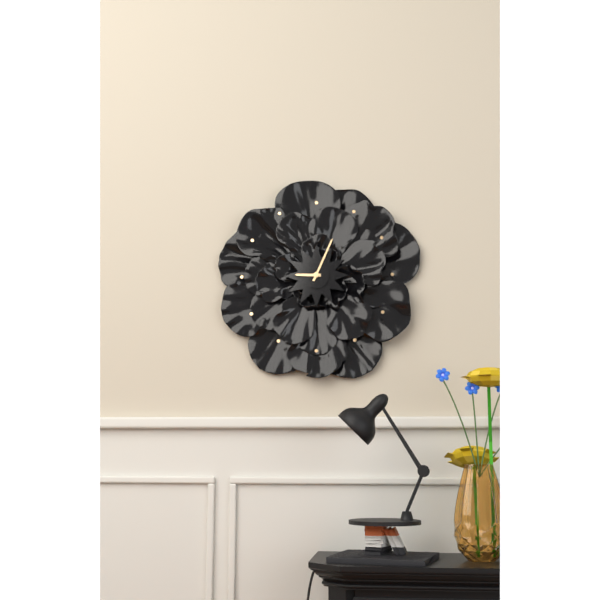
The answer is 9.04
